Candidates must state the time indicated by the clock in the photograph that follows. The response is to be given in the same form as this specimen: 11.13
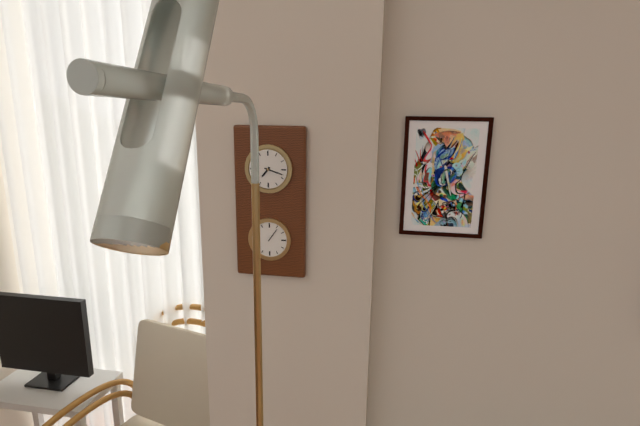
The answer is 7.18
